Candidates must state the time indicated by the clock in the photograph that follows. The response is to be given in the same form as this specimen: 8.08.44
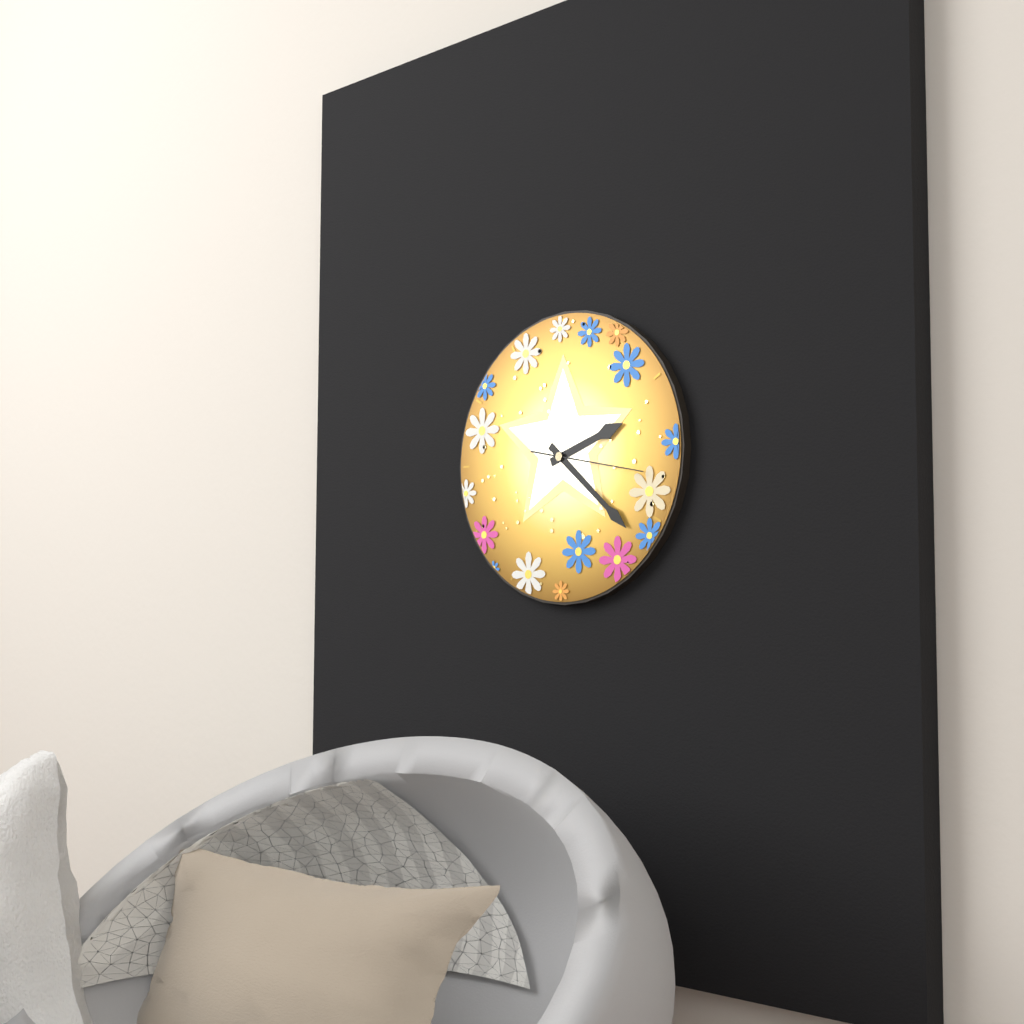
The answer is 2.22.17
